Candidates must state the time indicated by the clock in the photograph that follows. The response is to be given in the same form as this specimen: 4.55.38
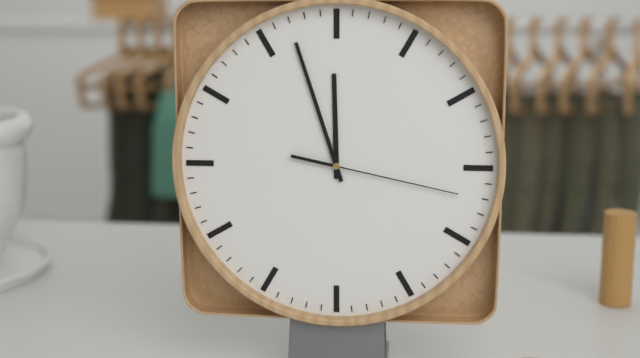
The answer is 11.57.17
